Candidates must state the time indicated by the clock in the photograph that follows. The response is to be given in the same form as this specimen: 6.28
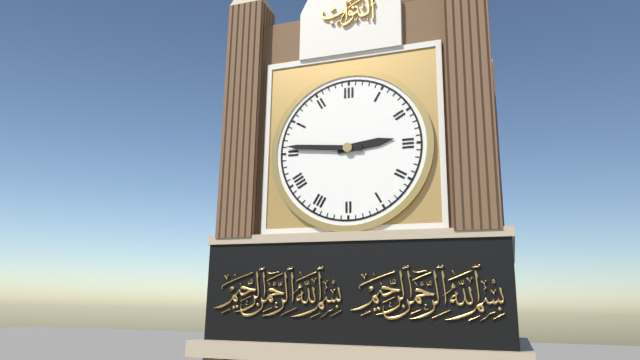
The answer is 2.46
